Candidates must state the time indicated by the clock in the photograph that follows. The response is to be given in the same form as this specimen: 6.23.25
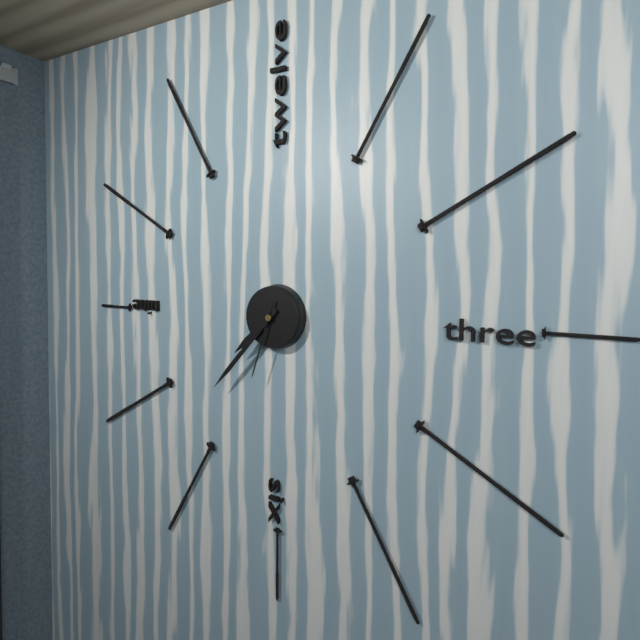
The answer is 7.37.33
